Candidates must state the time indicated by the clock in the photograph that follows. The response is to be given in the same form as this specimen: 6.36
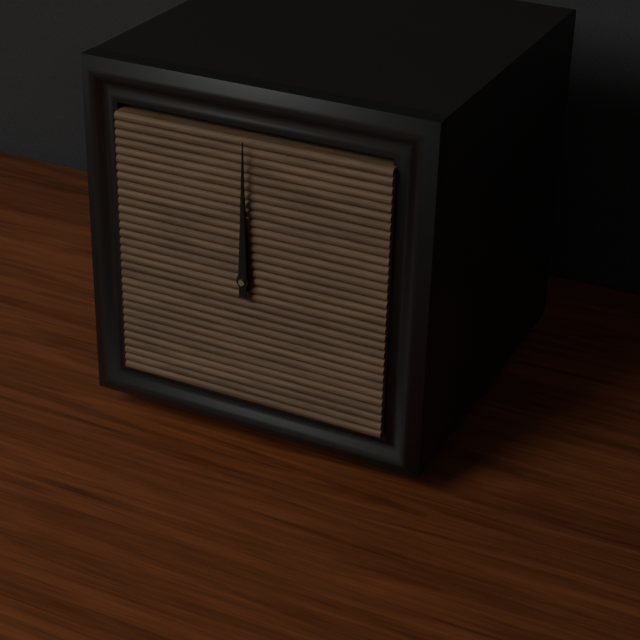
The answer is 12.00
